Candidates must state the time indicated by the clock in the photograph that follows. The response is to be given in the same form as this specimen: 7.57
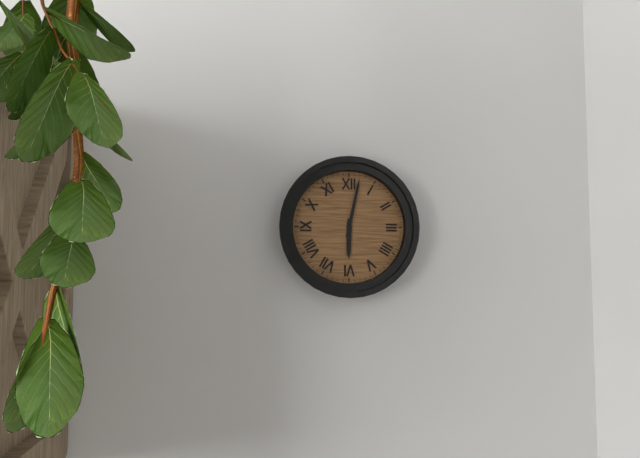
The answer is 6.02
